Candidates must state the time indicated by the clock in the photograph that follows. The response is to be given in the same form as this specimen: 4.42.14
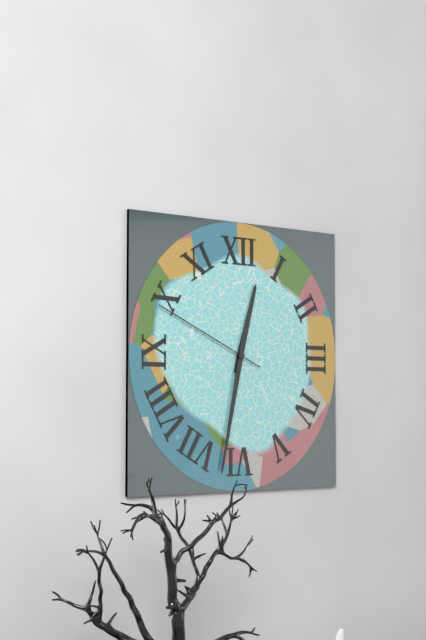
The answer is 12.32.49
